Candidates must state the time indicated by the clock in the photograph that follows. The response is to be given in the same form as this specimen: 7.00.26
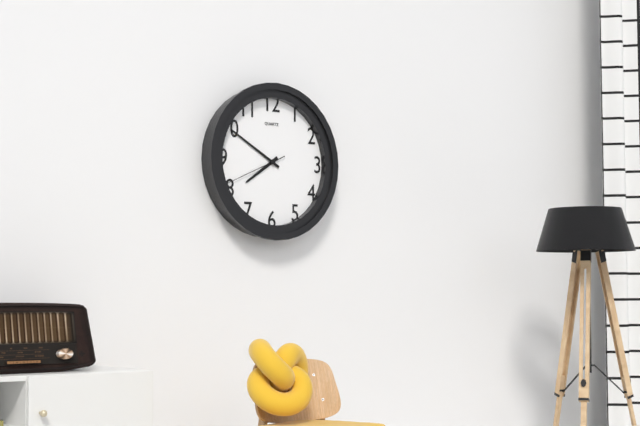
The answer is 7.50.41
